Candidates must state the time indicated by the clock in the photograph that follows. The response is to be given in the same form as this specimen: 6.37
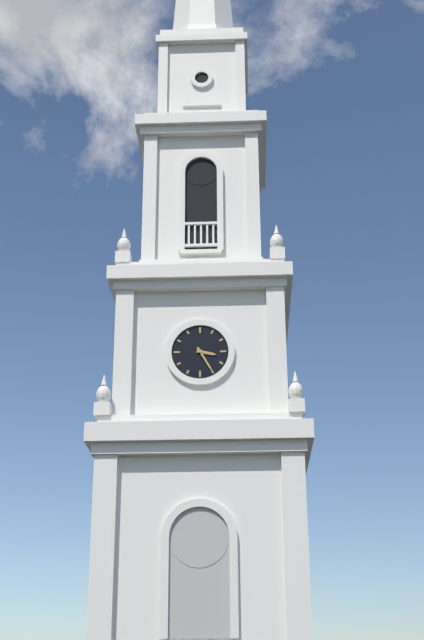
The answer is 3.25
